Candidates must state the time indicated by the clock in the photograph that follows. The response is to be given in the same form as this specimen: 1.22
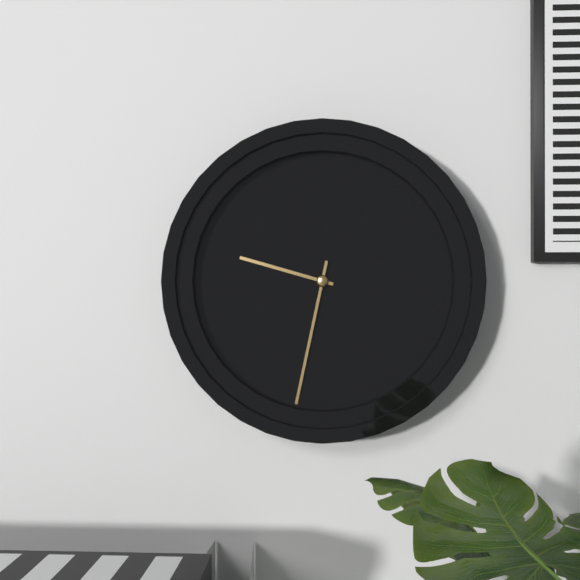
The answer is 9.32
